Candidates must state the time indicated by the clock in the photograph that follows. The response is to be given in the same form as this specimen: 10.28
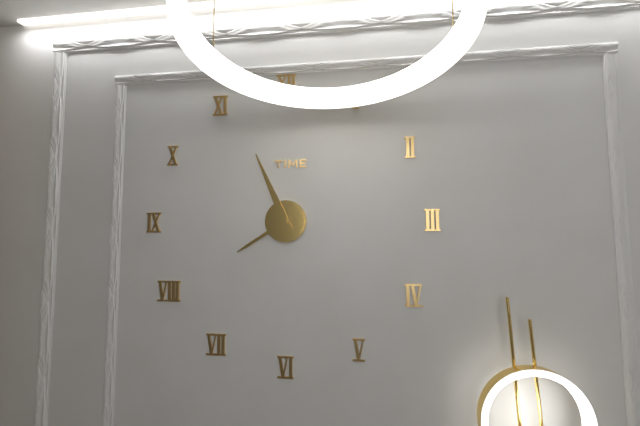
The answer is 7.56
